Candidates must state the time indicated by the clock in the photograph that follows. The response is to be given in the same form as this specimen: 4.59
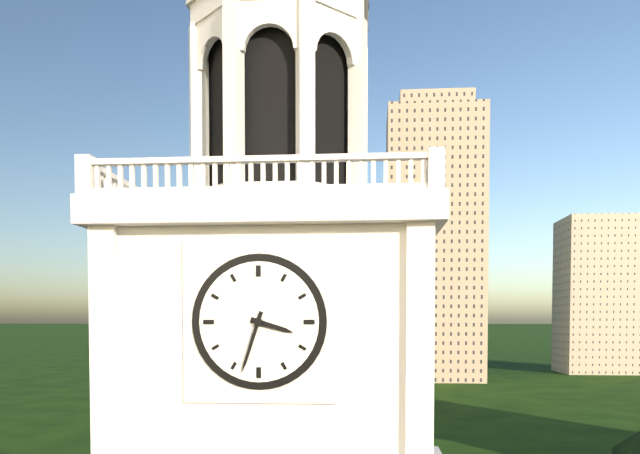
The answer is 3.33
